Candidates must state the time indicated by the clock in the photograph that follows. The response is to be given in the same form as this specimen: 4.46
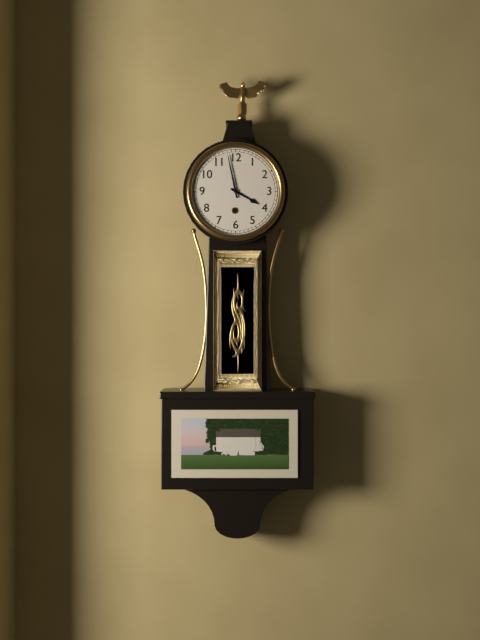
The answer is 3.58
